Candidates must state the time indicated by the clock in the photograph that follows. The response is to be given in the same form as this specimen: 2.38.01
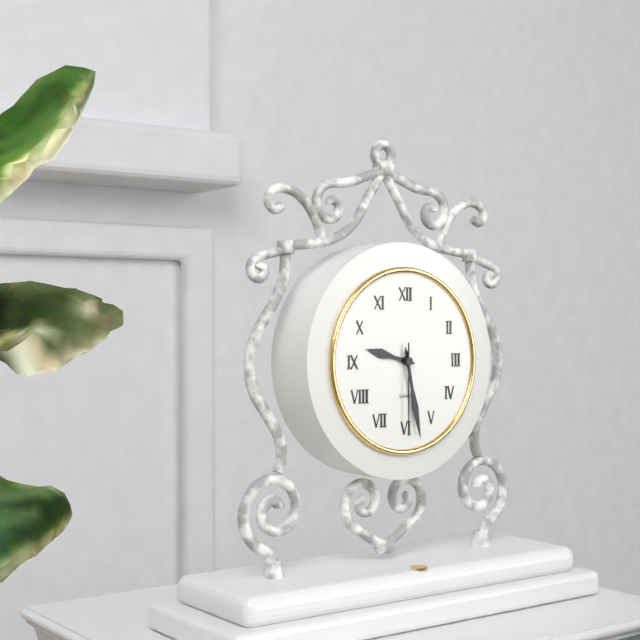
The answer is 9.28.30
